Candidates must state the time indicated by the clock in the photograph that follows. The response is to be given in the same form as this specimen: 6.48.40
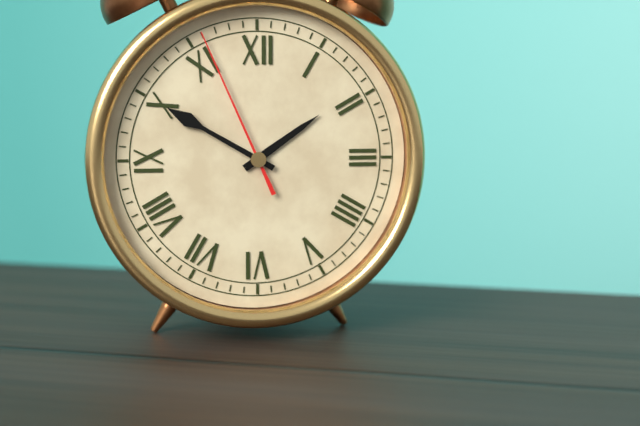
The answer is 1.50.56
